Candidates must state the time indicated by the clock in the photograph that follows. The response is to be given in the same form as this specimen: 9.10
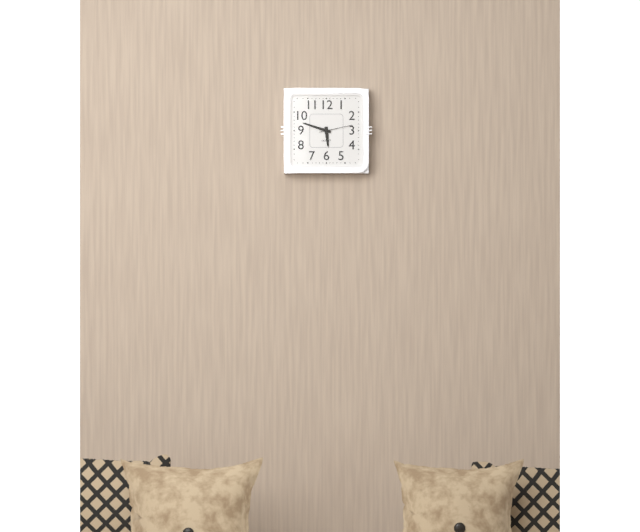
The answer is 5.48
